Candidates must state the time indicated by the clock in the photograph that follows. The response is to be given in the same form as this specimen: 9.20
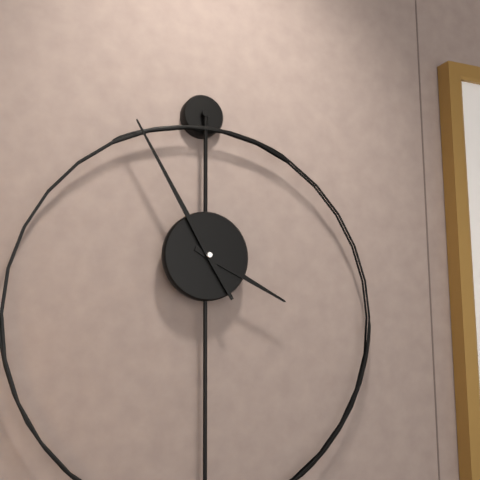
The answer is 3.55
